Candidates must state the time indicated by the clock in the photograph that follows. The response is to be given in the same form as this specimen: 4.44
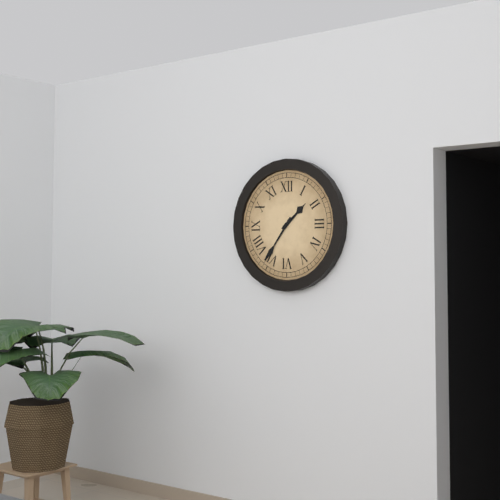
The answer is 1.36
